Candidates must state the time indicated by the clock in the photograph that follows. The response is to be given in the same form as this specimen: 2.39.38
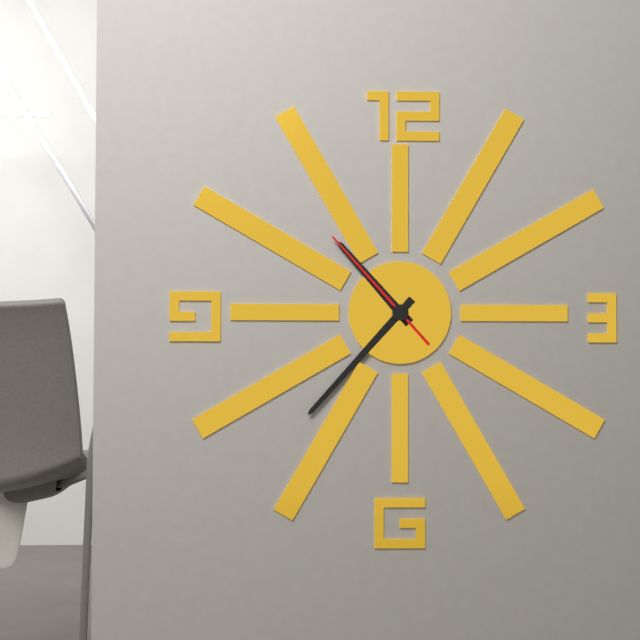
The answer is 10.37.53
